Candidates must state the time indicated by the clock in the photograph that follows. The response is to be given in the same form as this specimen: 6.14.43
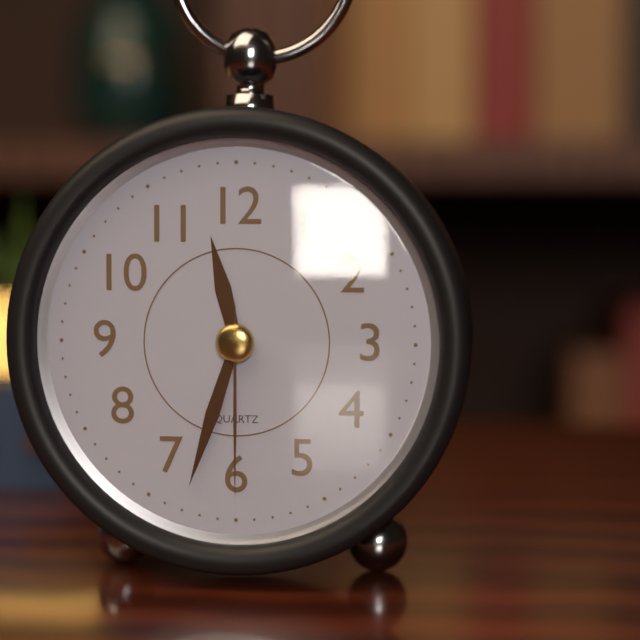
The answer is 11.33.30
